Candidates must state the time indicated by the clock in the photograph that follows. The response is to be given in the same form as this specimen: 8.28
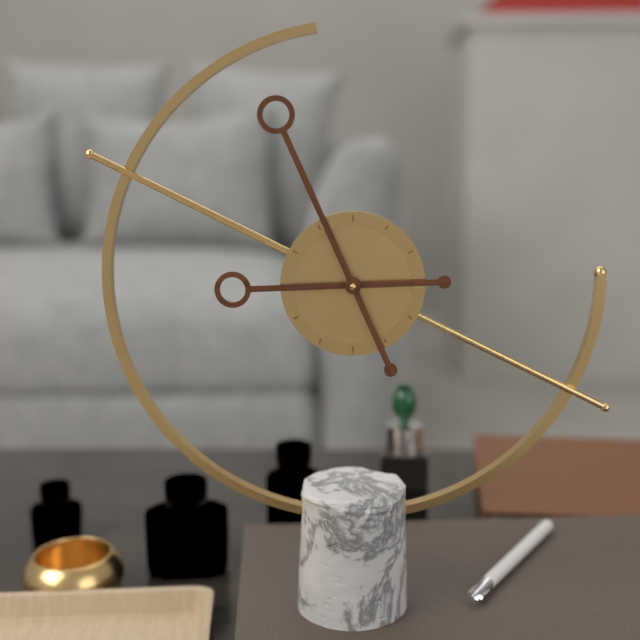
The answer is 8.56
